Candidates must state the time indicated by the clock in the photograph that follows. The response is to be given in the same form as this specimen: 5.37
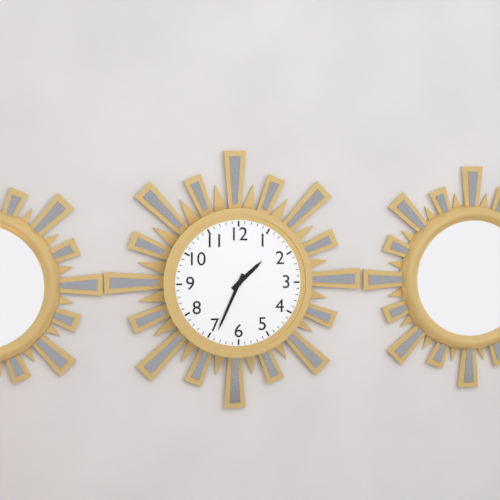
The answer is 1.34
